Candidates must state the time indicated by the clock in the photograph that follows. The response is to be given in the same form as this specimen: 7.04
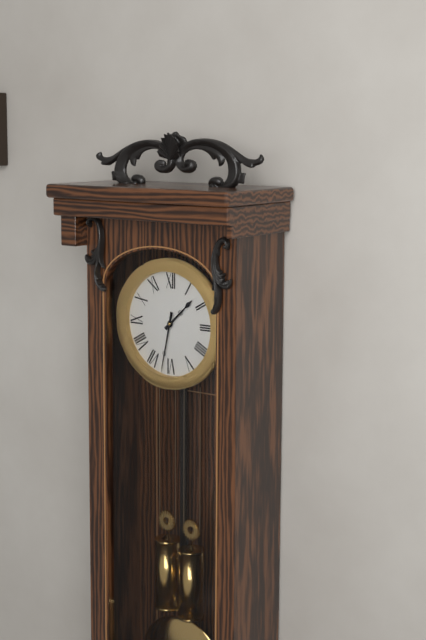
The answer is 1.32
